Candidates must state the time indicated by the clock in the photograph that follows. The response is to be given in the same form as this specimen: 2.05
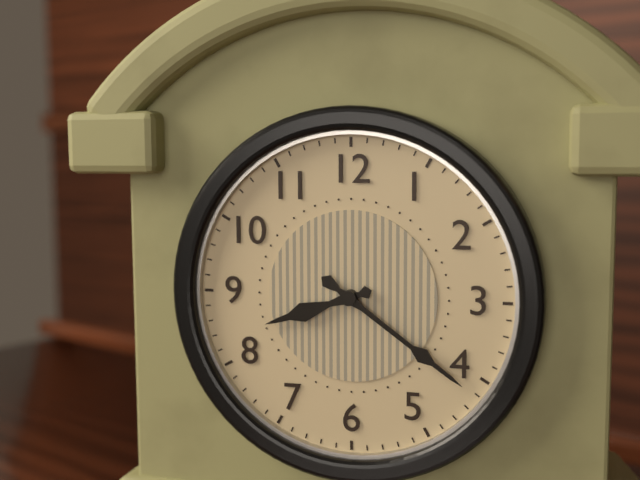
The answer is 8.21
